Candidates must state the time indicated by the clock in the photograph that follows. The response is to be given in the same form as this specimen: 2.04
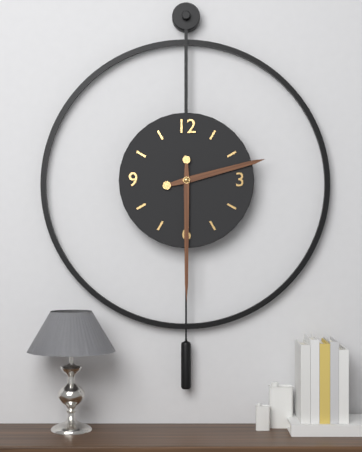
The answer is 2.30
